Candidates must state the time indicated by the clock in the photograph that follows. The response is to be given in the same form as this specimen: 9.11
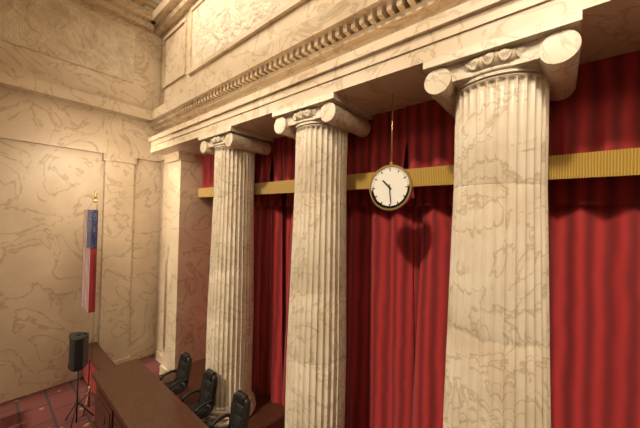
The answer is 10.29
